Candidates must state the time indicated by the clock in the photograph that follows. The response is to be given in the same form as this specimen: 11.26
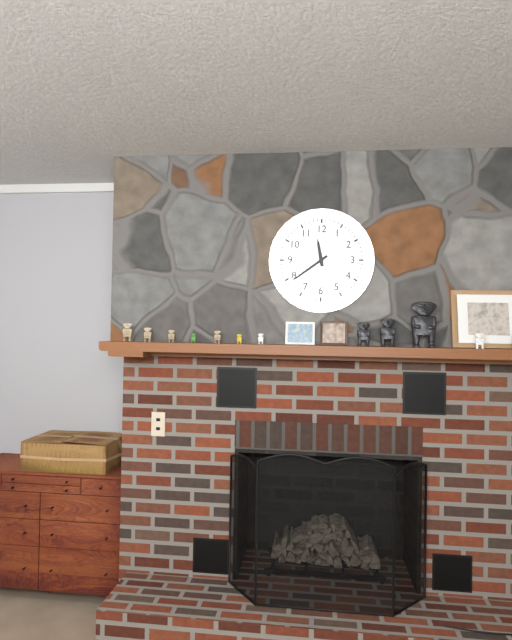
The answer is 11.39
